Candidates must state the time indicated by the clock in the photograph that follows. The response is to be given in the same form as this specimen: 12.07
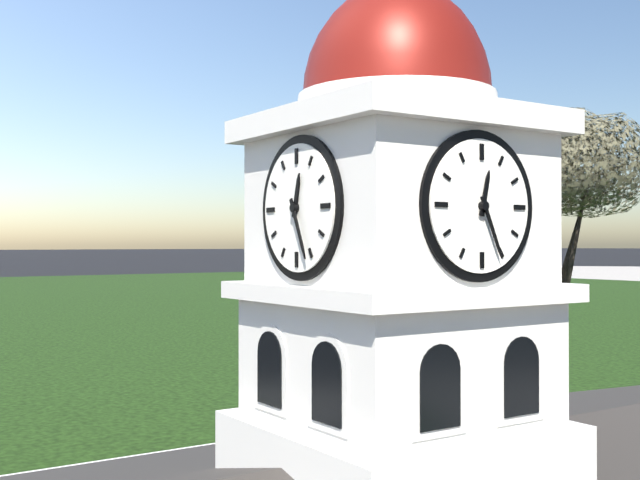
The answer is 12.26
